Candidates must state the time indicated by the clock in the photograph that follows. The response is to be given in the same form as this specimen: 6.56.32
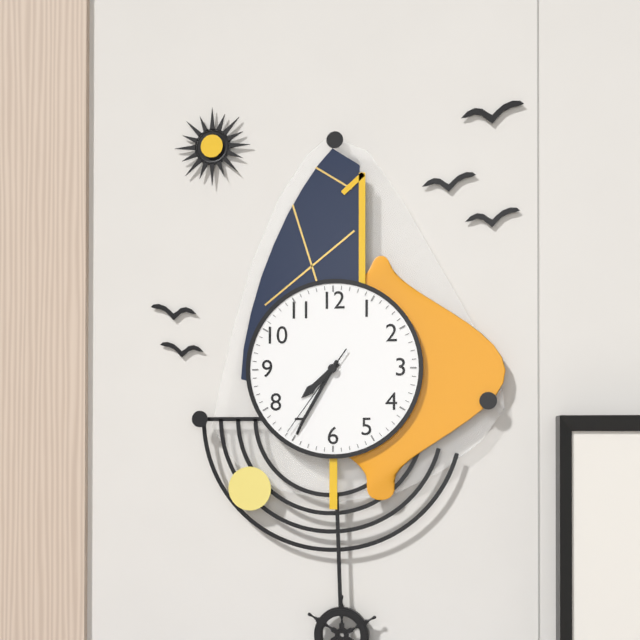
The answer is 7.35.36
